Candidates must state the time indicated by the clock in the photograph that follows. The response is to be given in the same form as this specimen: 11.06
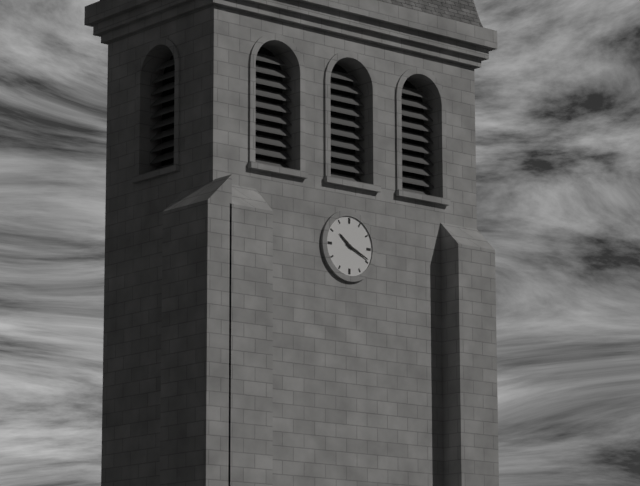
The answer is 10.19
